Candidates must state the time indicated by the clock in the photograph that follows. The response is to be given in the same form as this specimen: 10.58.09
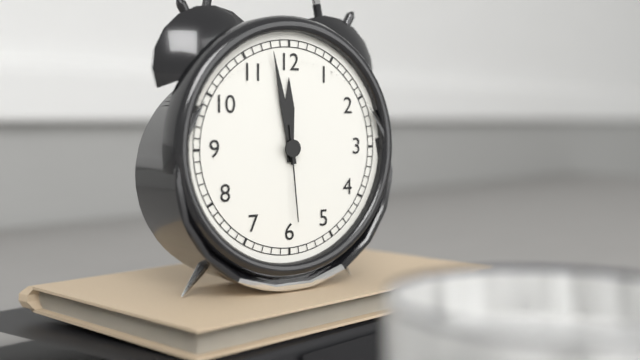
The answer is 11.58.29
